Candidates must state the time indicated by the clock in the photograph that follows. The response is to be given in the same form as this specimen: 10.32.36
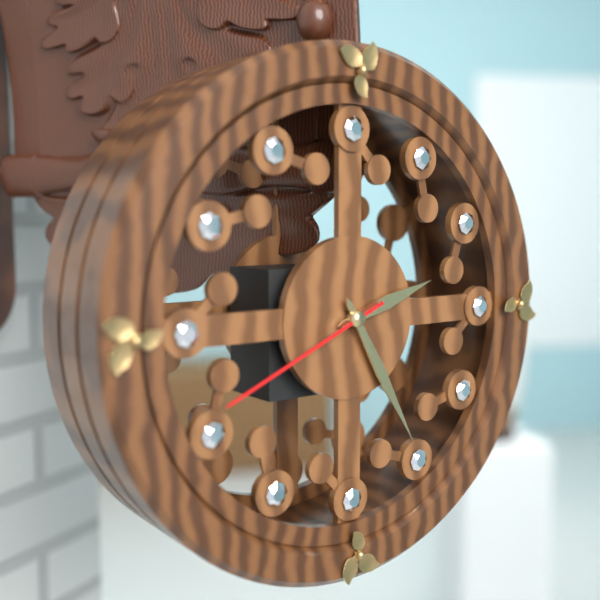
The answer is 2.25.41
